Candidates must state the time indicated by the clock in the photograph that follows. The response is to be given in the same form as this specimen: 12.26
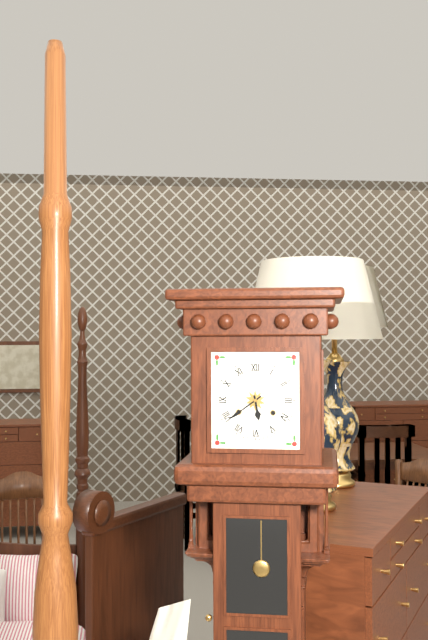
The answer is 5.39
